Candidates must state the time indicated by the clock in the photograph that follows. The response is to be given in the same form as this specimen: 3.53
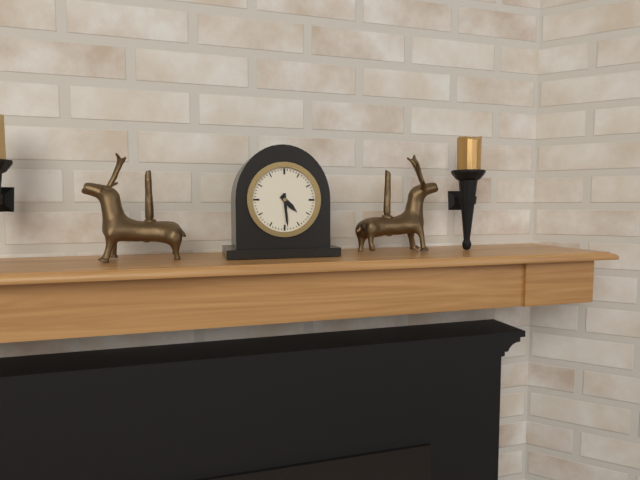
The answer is 4.29
